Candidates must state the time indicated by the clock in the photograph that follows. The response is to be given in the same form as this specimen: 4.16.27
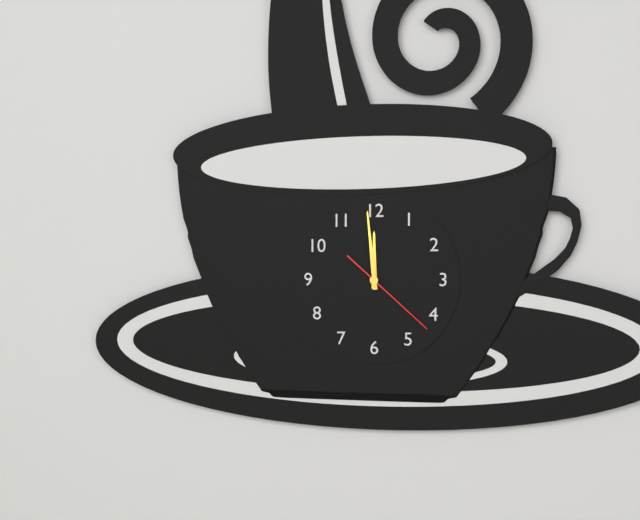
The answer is 11.59.22
